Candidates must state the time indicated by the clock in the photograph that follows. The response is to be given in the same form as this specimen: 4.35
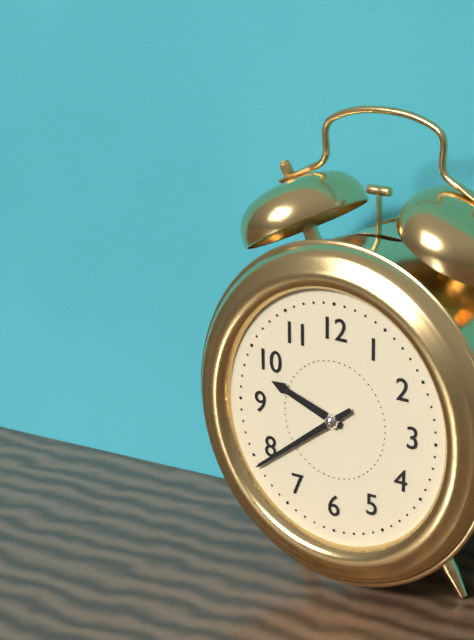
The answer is 9.39
